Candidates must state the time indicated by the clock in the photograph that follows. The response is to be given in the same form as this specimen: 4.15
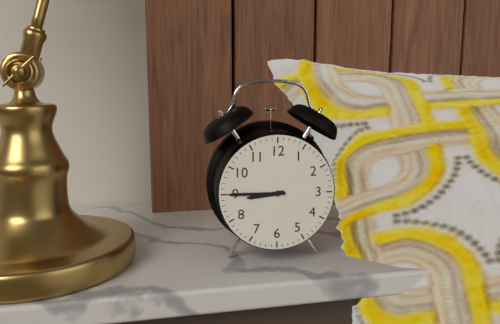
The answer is 8.45
